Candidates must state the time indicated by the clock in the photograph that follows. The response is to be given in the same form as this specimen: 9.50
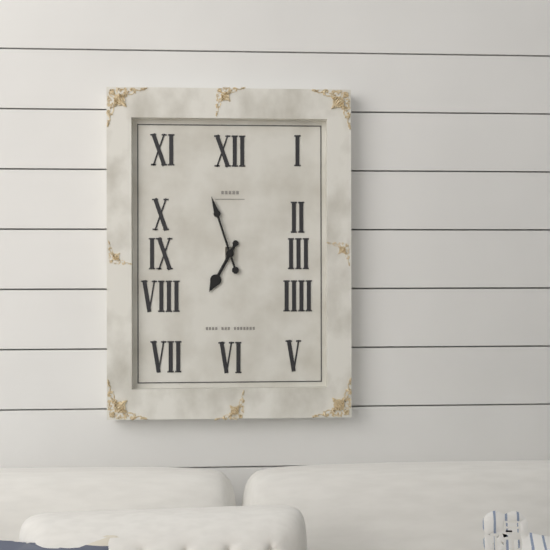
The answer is 6.57
